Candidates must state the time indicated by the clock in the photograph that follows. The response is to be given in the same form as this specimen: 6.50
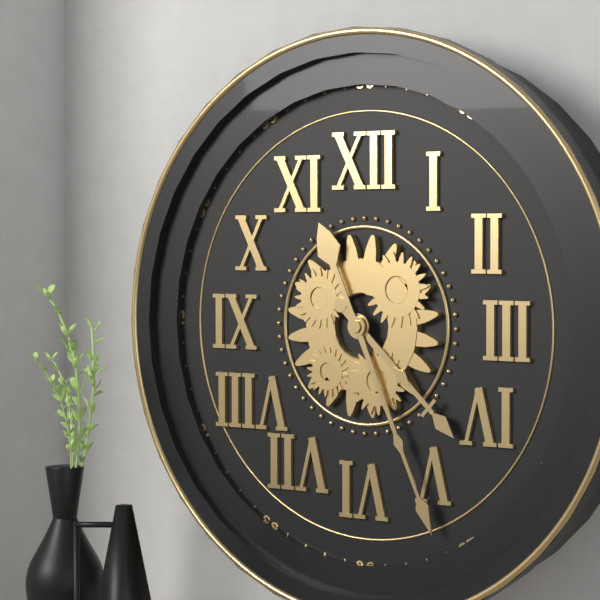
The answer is 4.26
